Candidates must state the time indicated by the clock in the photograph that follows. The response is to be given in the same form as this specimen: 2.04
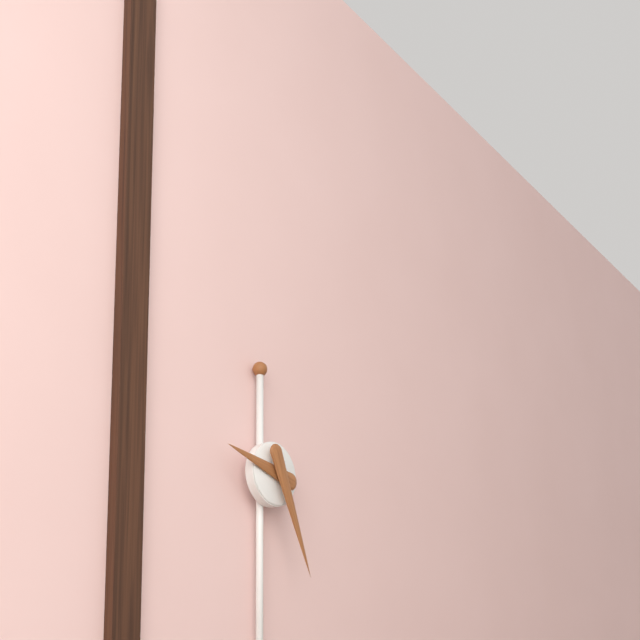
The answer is 9.26
